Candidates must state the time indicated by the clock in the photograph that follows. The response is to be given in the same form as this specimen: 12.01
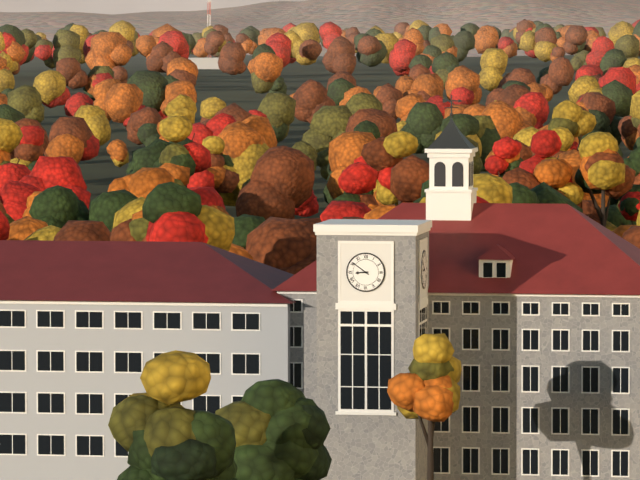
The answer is 8.51
